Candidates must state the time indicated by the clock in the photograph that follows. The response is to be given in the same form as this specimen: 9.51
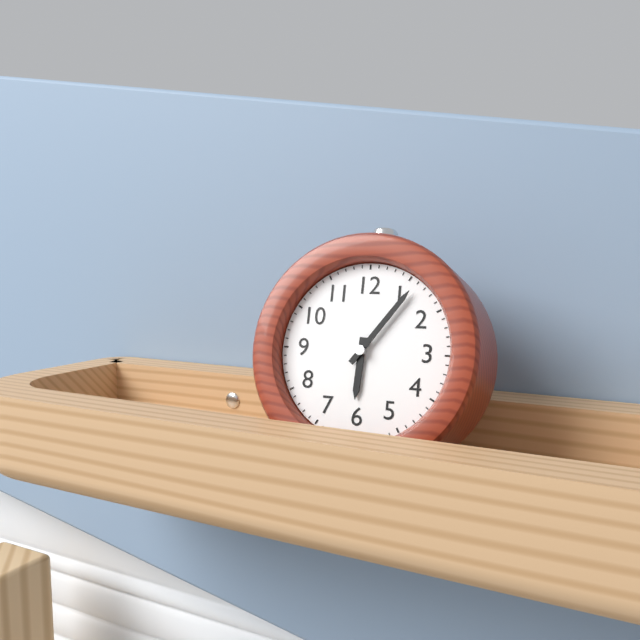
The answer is 6.06
